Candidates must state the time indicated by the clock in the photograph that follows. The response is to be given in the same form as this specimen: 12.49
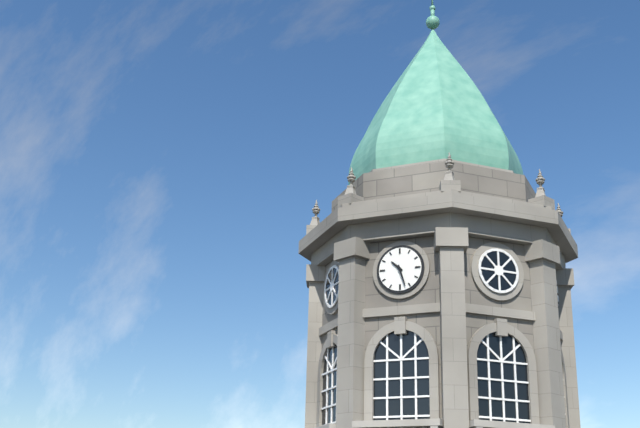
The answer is 10.27
